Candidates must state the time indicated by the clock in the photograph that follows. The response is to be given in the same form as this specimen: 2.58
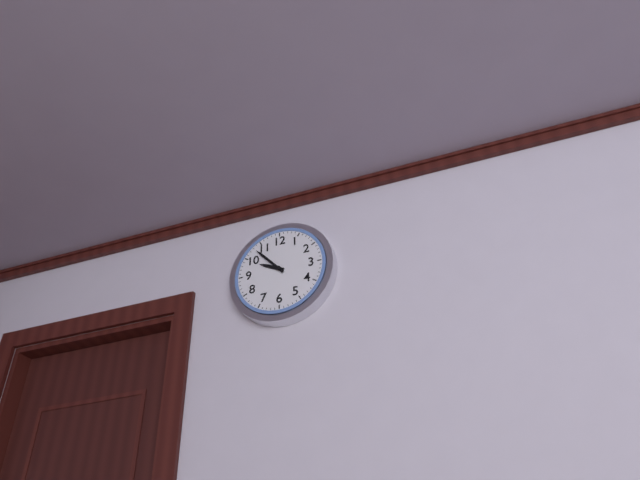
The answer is 9.53
